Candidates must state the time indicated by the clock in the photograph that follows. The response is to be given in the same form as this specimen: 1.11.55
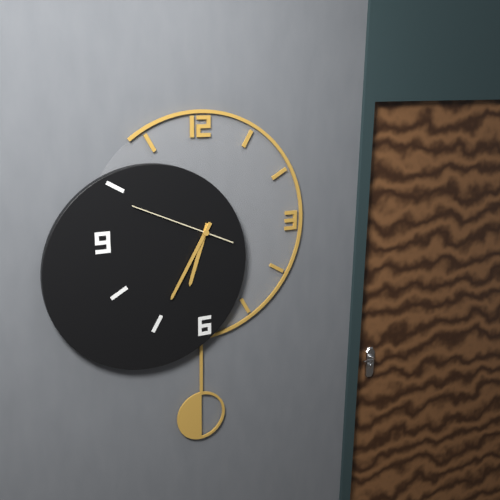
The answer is 6.35.49
